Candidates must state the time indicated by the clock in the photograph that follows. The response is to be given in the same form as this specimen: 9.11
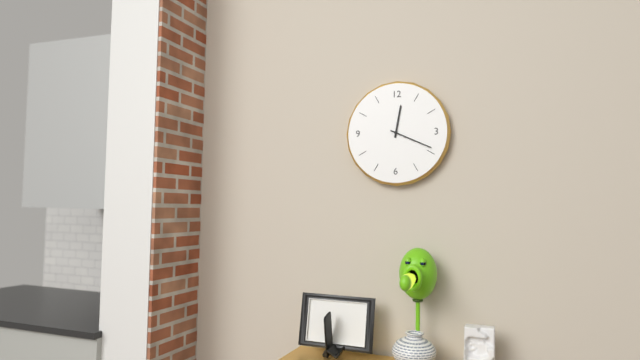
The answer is 12.19
